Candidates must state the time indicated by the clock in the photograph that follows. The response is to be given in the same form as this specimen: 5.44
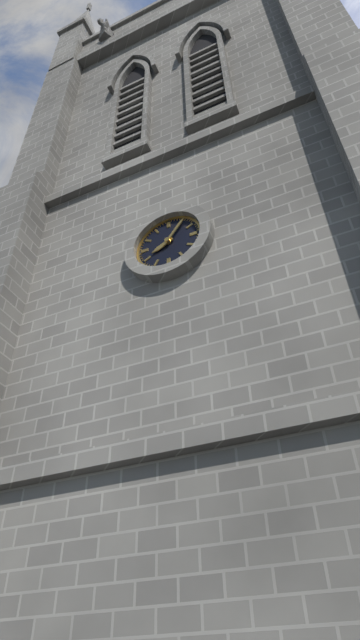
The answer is 8.06
